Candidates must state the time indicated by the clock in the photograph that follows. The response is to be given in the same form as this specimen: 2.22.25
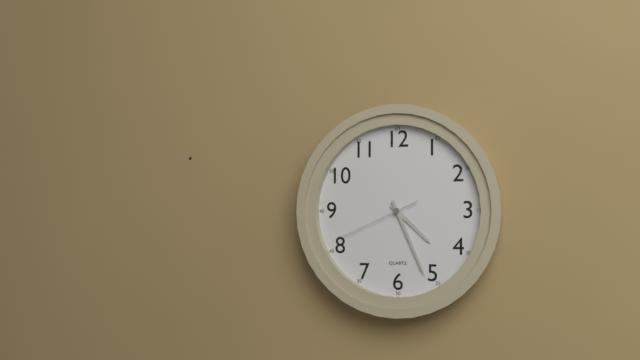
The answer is 4.26.41
